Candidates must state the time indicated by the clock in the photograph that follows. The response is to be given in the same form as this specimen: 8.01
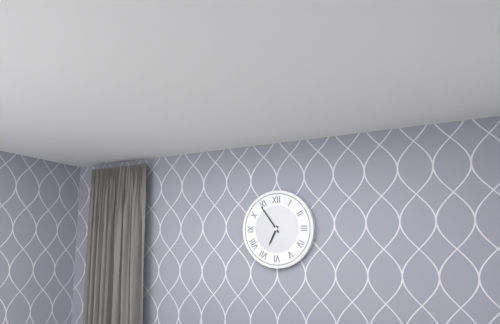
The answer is 6.54
